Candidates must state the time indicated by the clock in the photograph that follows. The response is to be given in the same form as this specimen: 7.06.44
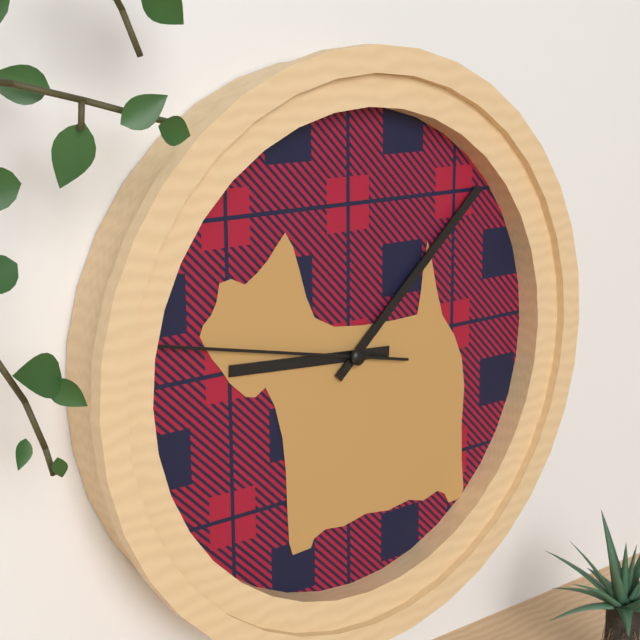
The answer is 9.08.47
